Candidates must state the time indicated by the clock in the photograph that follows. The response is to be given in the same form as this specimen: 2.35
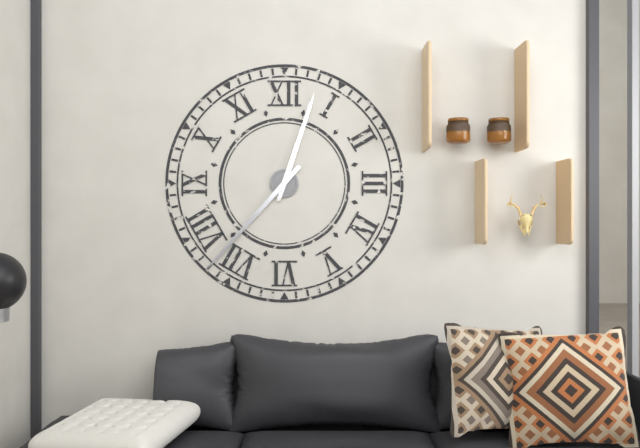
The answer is 12.37
